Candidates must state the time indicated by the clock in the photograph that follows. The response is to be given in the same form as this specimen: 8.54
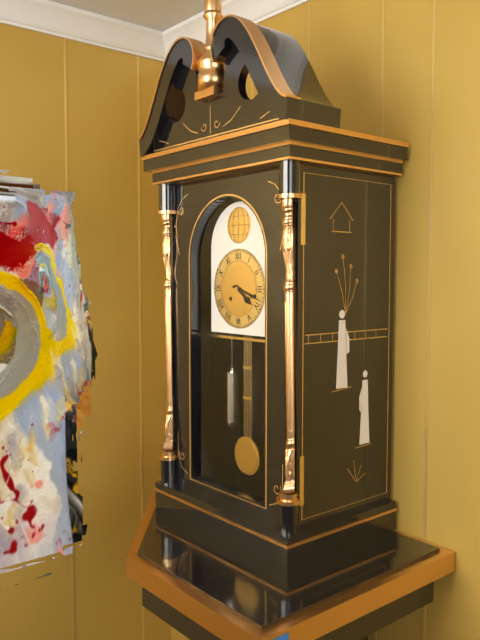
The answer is 4.18
